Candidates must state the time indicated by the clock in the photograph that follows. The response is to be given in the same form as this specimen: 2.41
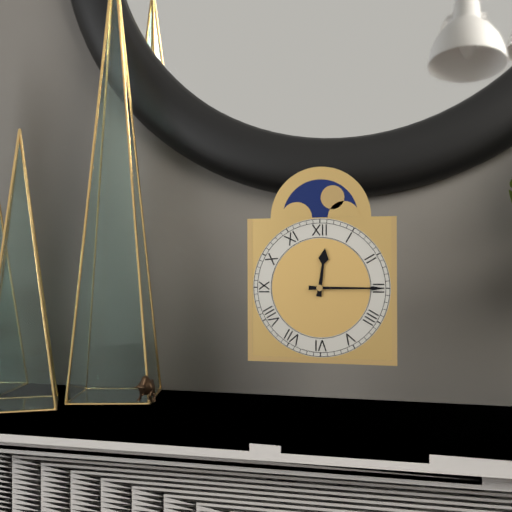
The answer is 12.15
